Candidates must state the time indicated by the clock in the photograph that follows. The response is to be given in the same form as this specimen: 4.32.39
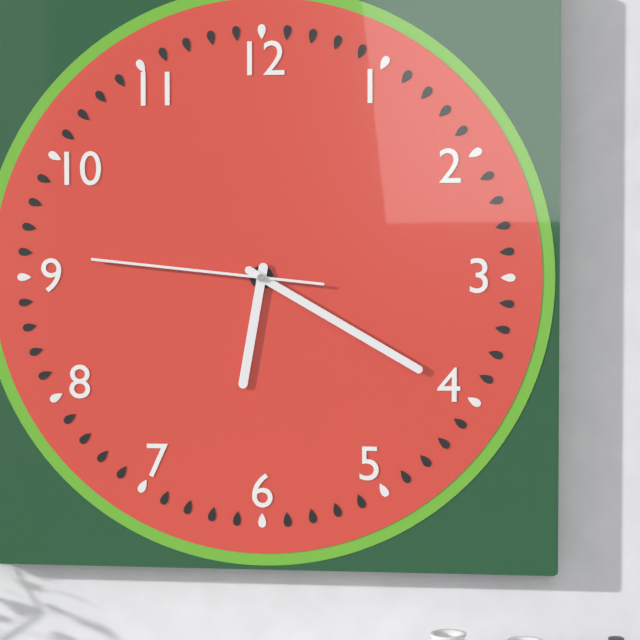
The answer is 6.20.46
